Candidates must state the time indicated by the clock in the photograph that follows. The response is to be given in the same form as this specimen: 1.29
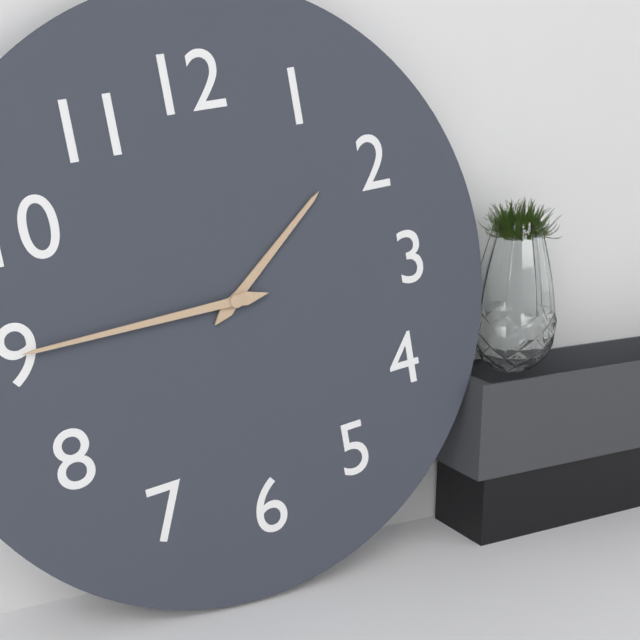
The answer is 1.45
